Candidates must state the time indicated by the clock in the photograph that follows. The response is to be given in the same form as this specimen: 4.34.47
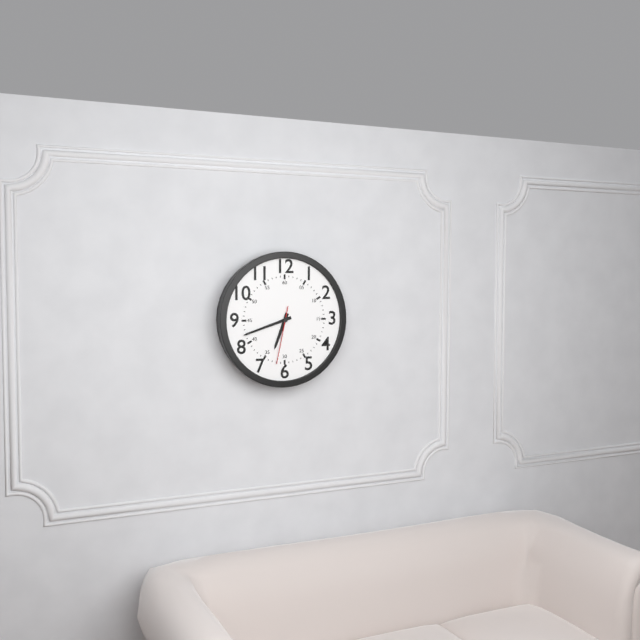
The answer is 6.42.32
